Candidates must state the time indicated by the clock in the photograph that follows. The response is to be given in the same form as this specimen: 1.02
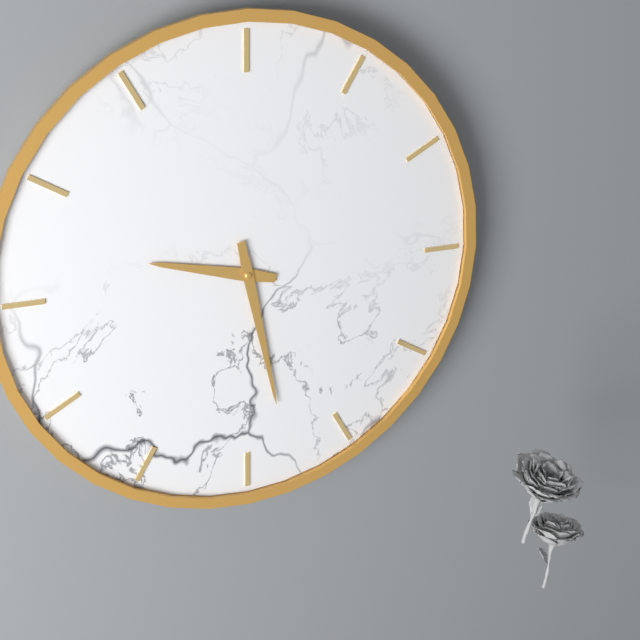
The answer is 9.28
